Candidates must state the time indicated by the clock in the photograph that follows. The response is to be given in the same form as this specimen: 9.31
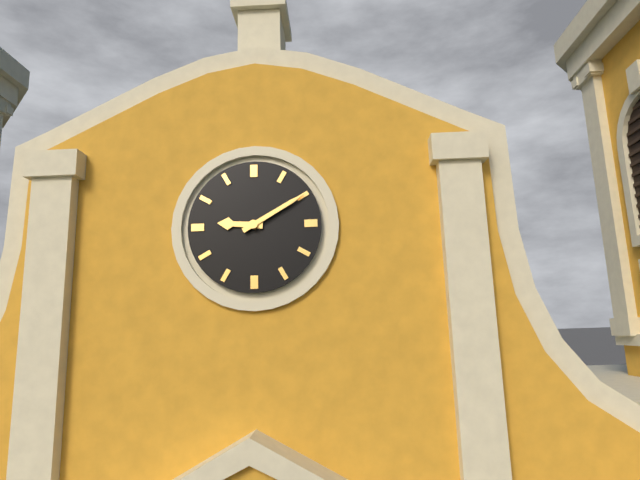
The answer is 9.10
